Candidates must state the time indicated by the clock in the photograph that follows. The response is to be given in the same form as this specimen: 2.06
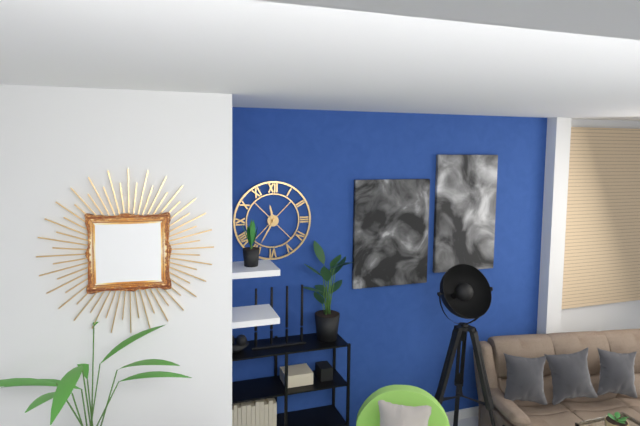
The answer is 11.35
